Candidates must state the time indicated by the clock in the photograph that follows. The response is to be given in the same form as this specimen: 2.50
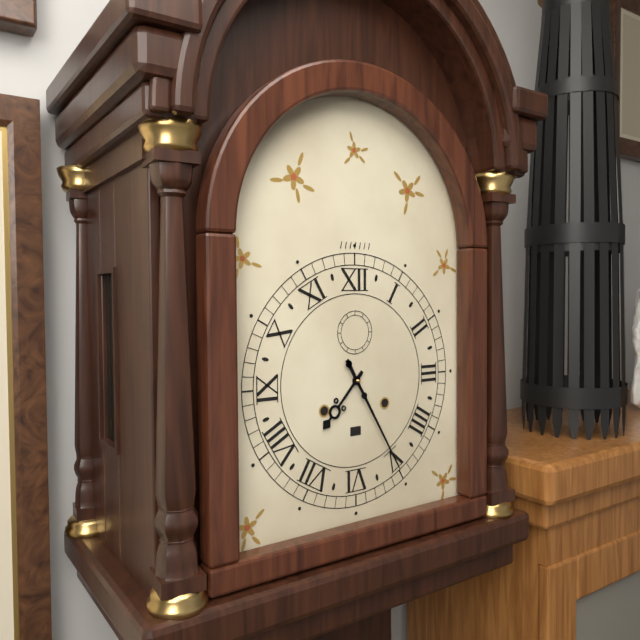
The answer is 7.25
